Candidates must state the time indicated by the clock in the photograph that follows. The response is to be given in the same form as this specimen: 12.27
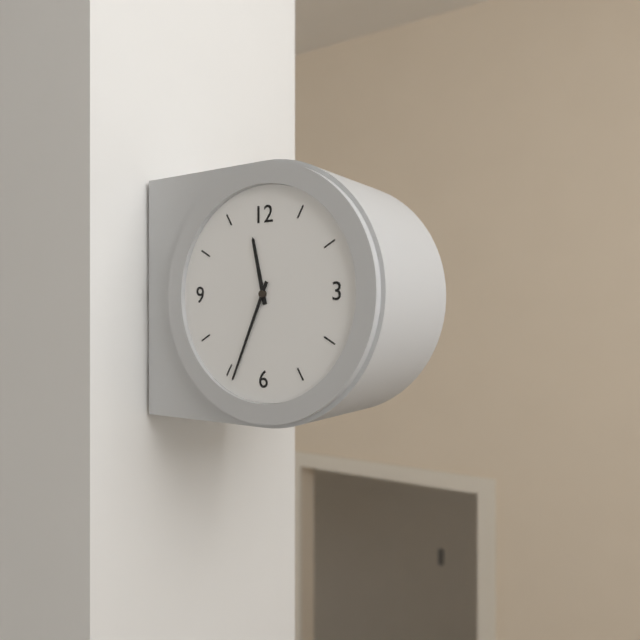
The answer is 11.34
